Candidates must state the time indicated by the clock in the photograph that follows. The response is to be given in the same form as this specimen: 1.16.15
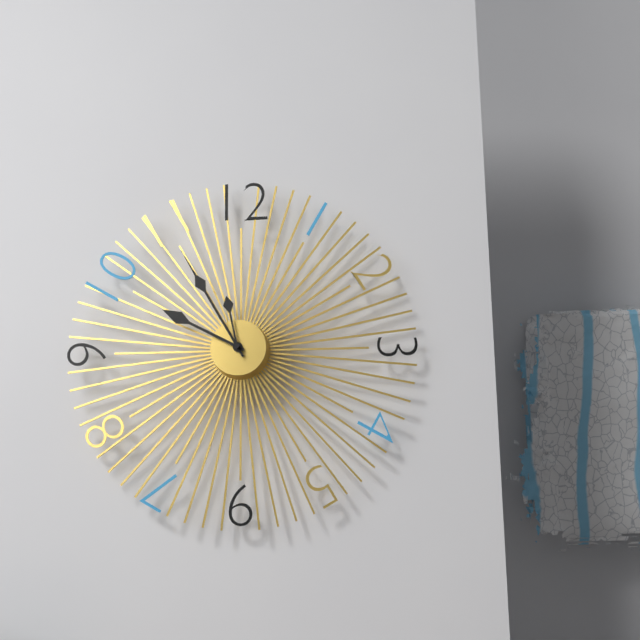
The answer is 9.55.58
